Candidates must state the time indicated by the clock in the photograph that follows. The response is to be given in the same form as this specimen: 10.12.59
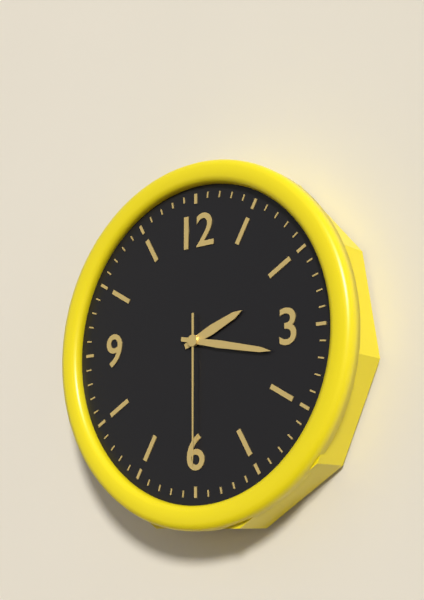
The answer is 2.17.30
